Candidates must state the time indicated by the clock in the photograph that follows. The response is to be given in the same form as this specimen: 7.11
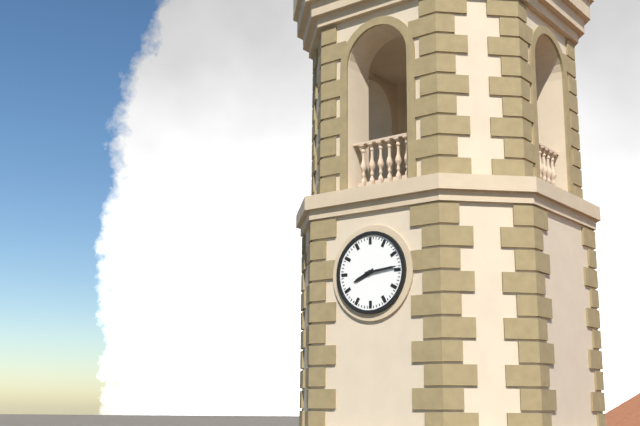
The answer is 8.14
